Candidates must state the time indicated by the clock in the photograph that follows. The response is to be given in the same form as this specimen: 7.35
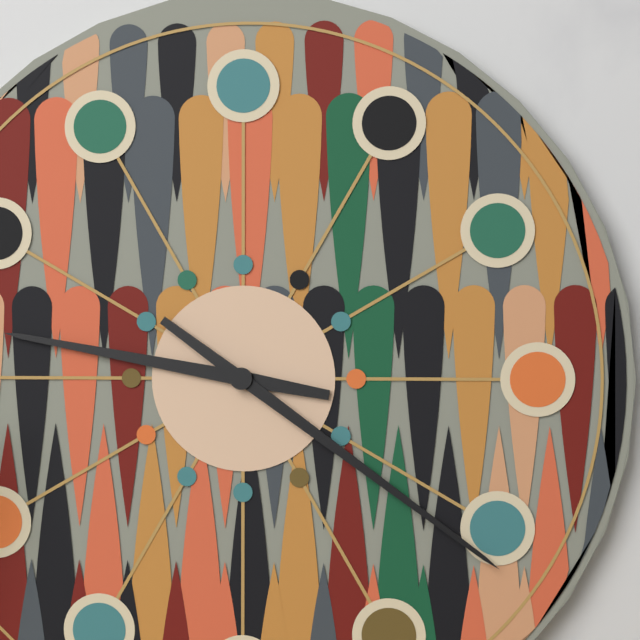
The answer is 9.21
